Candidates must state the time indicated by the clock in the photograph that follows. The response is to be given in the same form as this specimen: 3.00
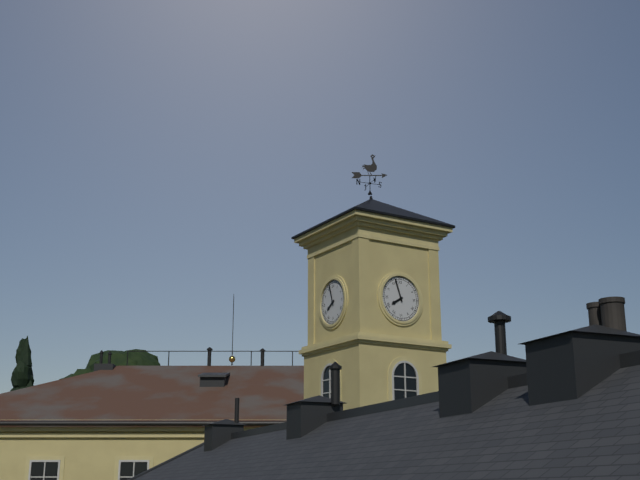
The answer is 7.57
